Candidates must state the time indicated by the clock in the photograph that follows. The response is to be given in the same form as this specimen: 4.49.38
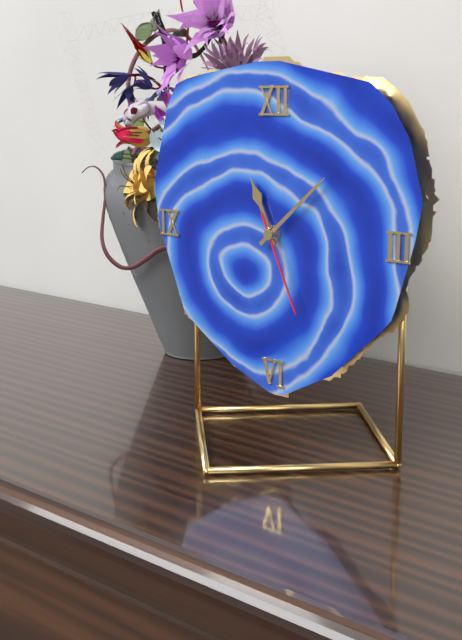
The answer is 11.08.26
